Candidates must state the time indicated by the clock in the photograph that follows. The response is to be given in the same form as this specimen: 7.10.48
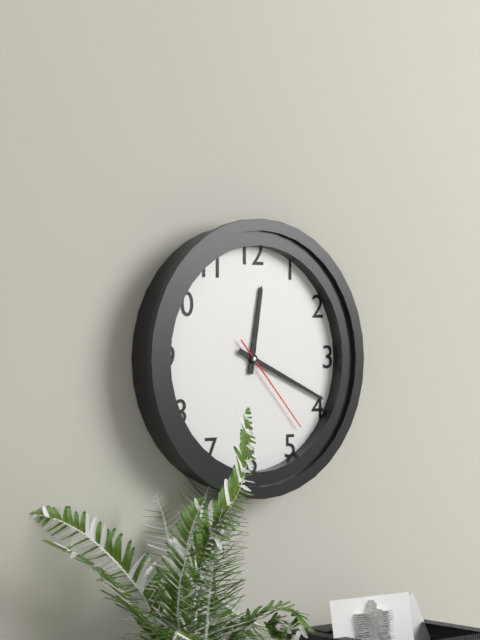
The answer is 12.19.23
